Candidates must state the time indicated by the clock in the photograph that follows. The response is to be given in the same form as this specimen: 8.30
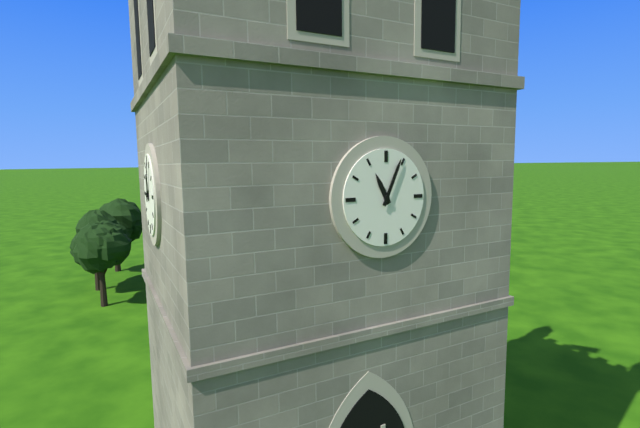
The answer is 11.04
